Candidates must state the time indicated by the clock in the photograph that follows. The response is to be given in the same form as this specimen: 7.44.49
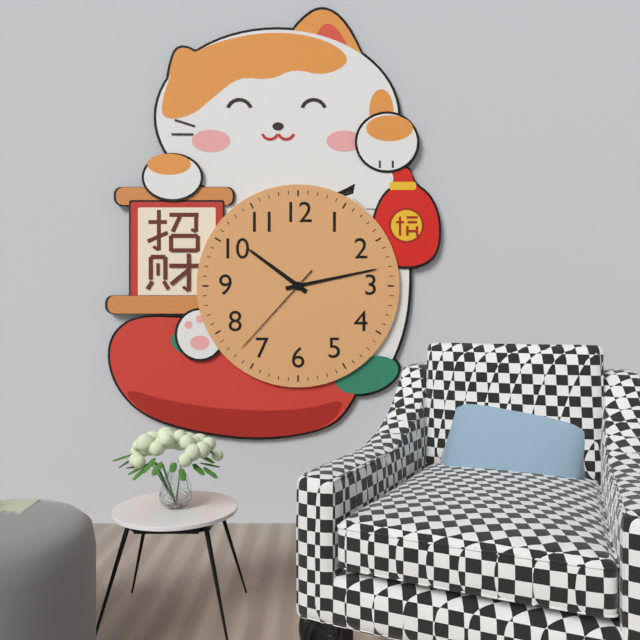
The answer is 10.13.37
